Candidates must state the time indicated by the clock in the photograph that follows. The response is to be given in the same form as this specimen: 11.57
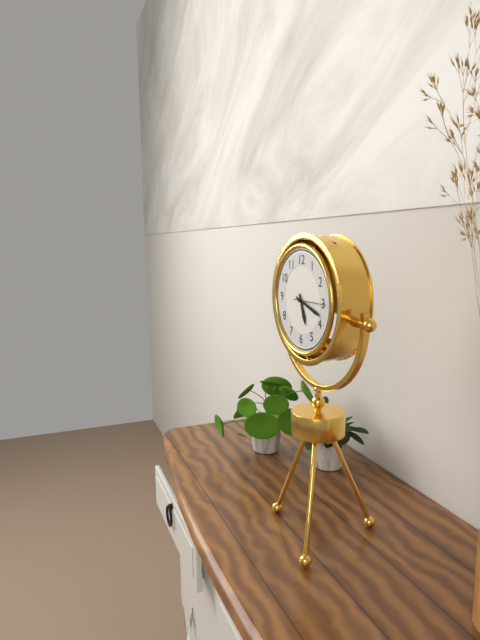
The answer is 5.18
